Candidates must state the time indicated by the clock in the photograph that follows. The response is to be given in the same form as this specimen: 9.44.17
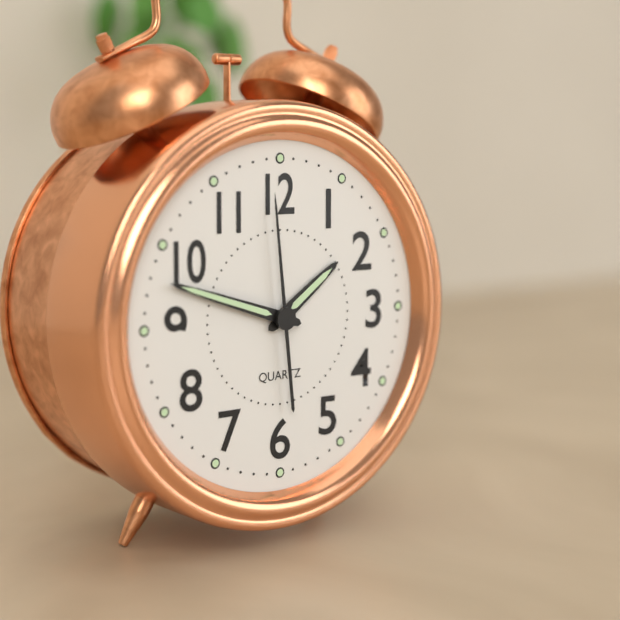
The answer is 1.48.59
